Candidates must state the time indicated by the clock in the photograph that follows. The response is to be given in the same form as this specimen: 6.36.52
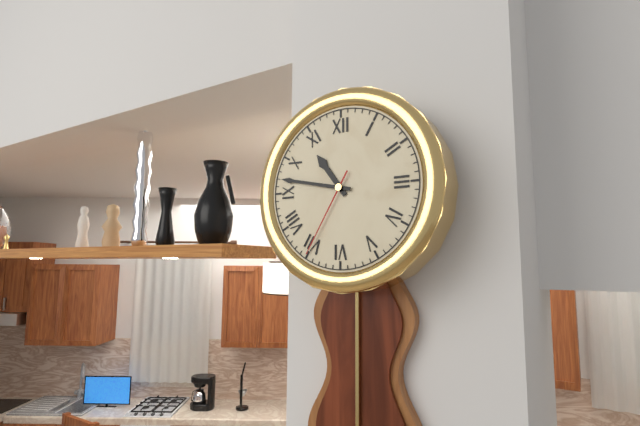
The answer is 10.47.35
